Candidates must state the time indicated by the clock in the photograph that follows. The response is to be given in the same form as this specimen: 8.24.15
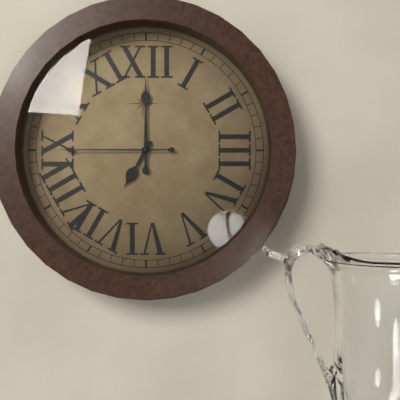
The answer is 7.00.45
